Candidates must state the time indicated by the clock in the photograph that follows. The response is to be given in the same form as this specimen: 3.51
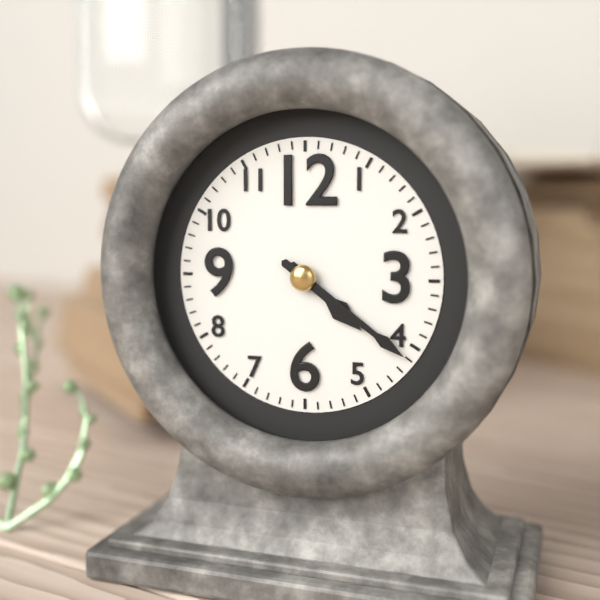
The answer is 4.21
